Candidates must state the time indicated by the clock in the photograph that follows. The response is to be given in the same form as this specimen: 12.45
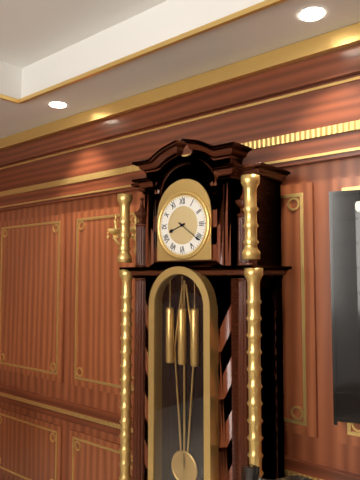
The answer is 8.21
